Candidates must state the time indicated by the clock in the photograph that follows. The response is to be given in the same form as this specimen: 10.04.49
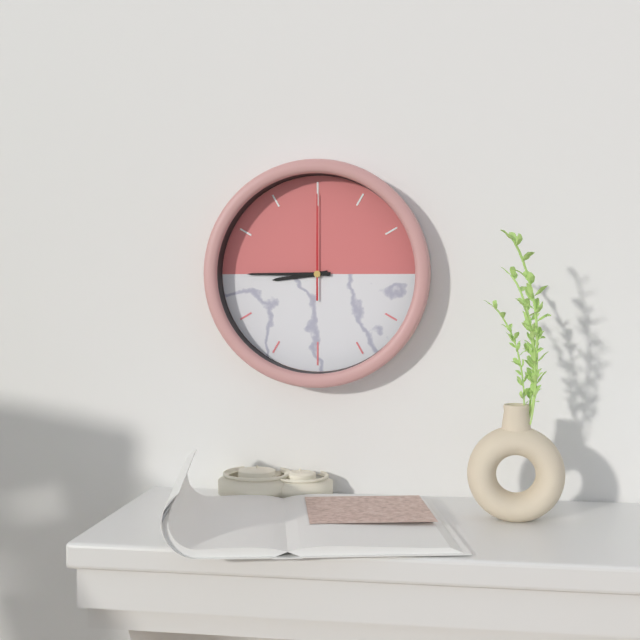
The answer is 8.45.00
